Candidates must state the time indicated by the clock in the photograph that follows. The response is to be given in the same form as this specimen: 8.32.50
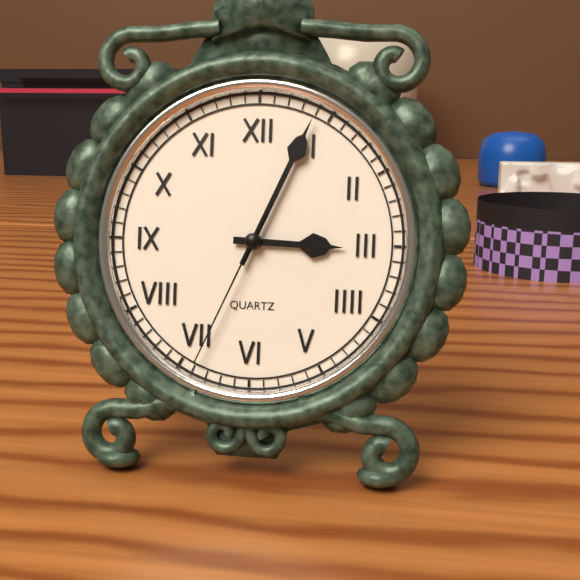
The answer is 3.04.34
